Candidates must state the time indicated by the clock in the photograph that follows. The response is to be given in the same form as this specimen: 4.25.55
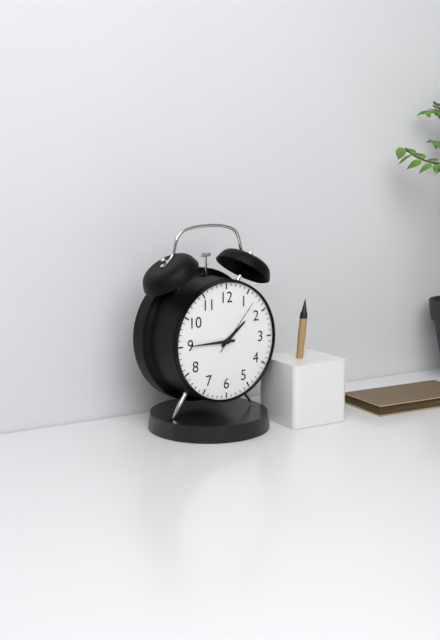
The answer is 1.45.07
